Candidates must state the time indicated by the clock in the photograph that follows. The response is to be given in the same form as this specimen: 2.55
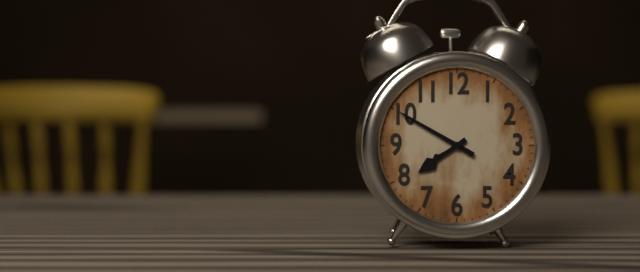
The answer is 7.50
